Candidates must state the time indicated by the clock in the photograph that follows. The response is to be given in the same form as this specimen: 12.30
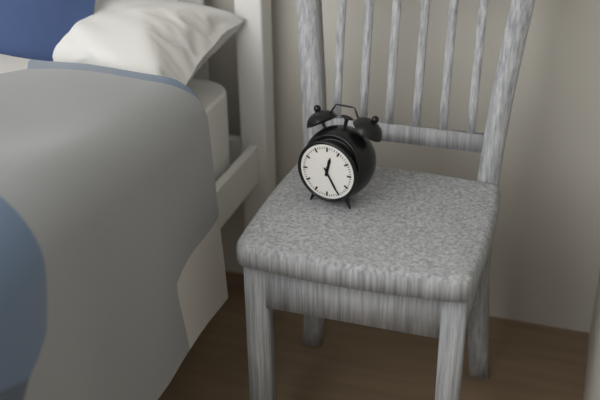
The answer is 12.25
